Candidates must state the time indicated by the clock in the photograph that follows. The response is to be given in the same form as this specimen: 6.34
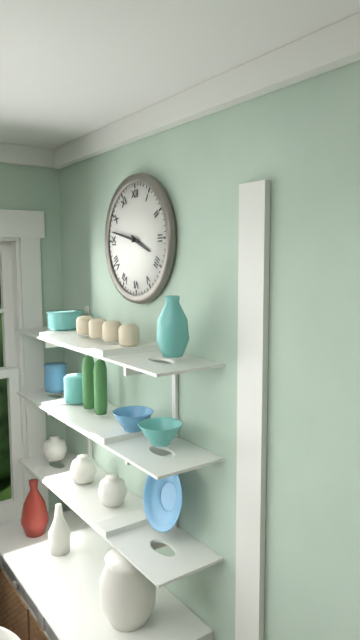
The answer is 3.47
